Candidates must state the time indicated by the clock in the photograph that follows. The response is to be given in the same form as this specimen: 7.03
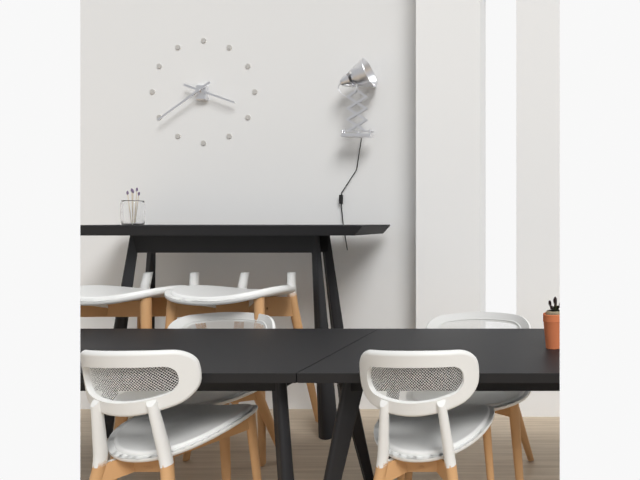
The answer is 3.39
